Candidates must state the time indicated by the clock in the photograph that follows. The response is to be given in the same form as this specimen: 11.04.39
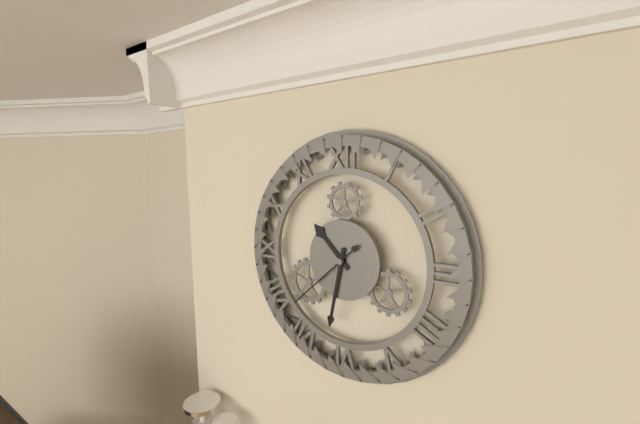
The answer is 10.32.38
